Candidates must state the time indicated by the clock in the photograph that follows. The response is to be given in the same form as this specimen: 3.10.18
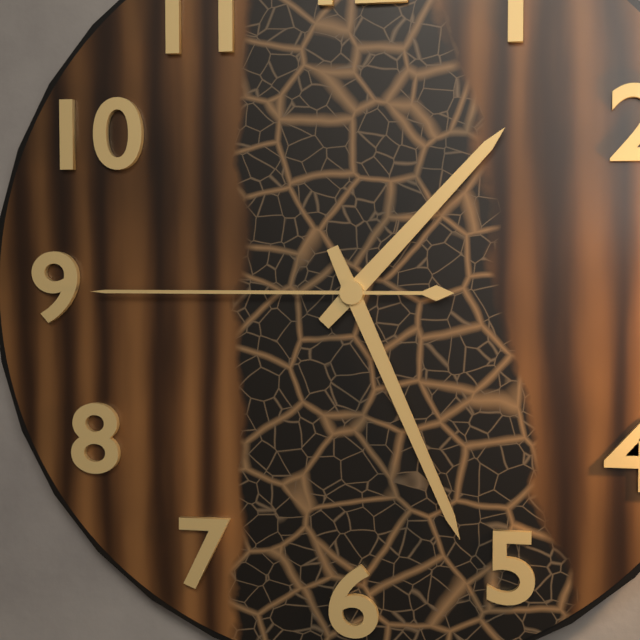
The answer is 1.26.45
